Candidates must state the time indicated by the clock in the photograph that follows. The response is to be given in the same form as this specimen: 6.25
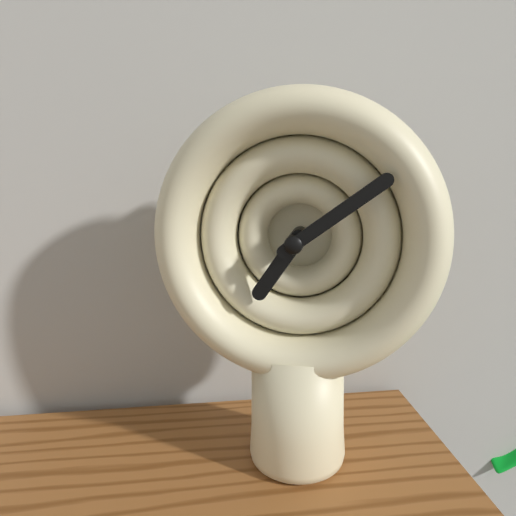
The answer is 7.09
